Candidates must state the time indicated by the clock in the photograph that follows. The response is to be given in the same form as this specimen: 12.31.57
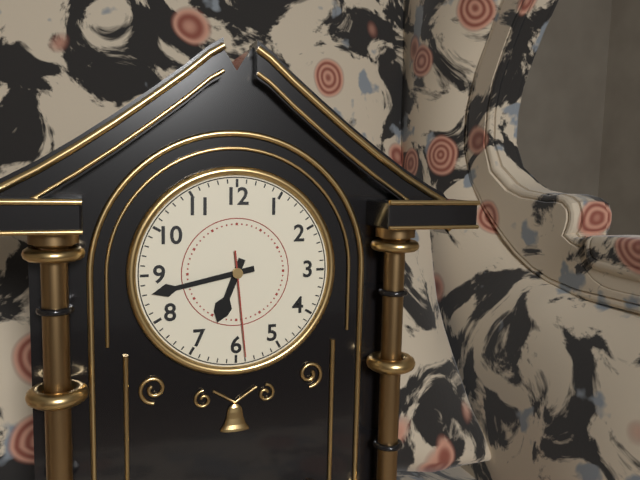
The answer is 6.43.29
